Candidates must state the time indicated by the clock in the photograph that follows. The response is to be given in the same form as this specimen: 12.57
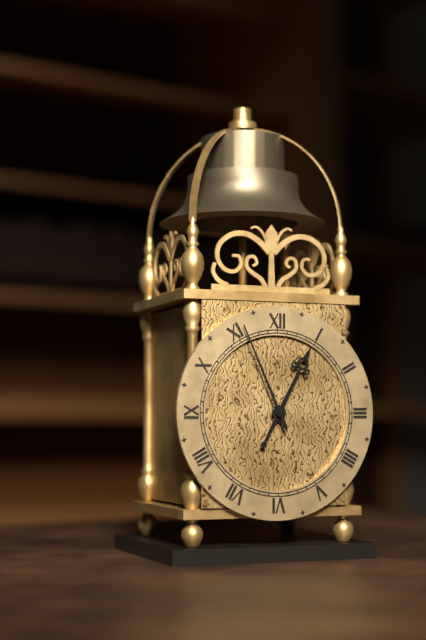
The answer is 12.56
